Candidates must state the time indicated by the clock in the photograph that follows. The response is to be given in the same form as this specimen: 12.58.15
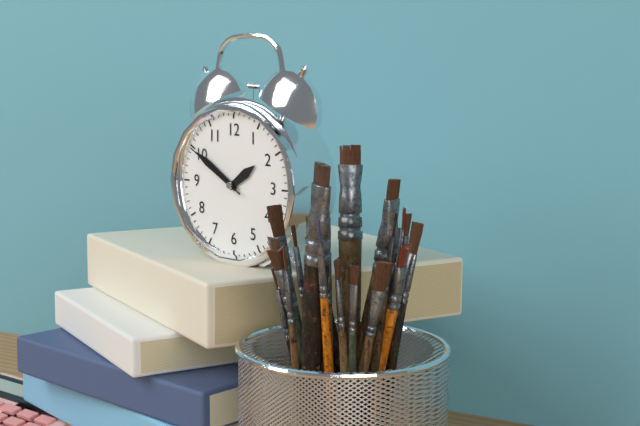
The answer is 1.50.50
